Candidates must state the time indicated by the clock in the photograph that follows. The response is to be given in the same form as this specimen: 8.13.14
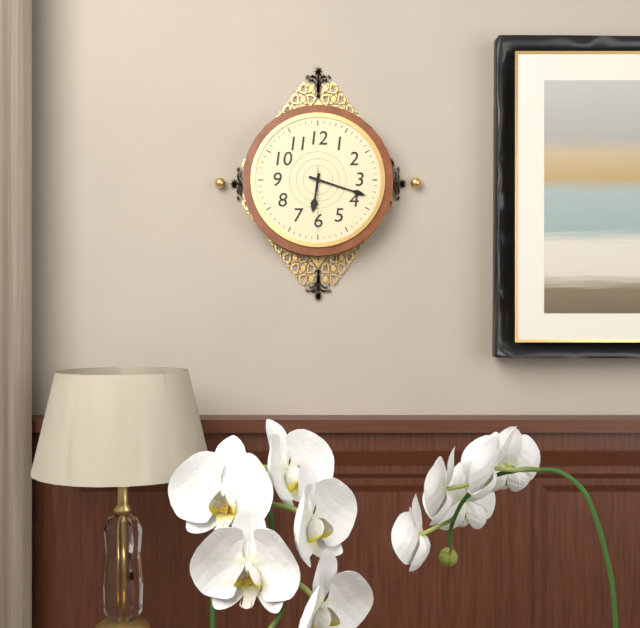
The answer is 6.18.30
